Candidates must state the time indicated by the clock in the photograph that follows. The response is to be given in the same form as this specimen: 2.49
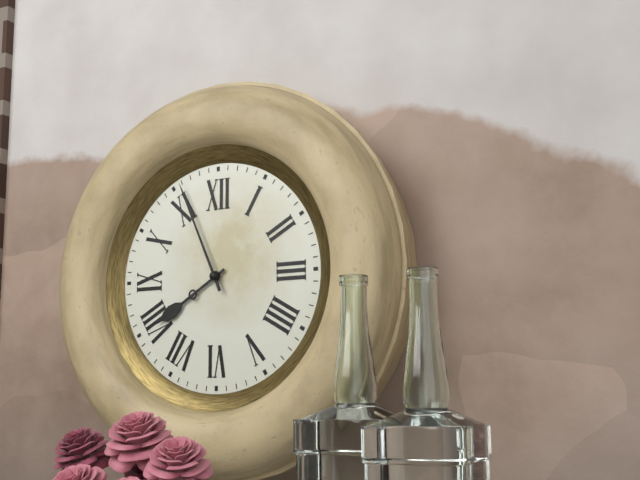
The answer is 7.56
